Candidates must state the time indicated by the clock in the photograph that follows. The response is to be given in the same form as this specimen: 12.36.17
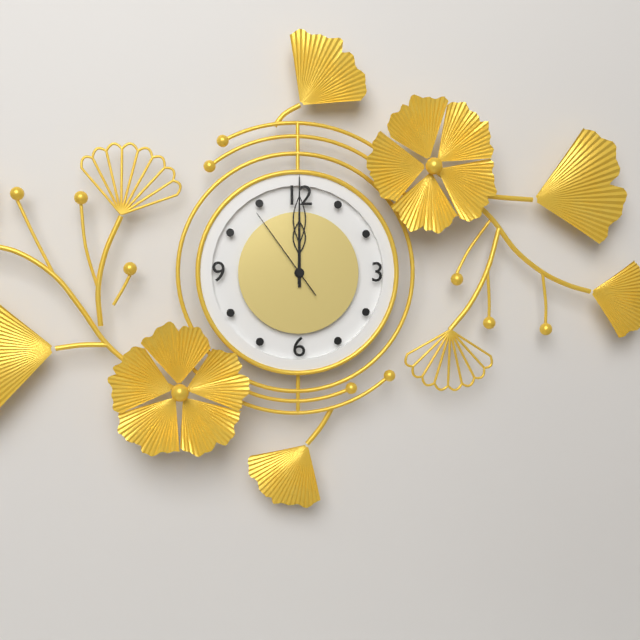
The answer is 12.00.54
